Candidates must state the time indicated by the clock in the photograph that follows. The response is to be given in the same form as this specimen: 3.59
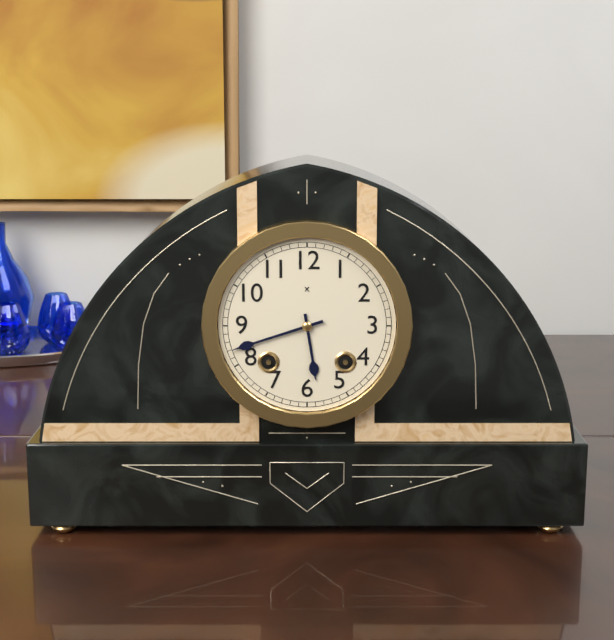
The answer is 5.42
